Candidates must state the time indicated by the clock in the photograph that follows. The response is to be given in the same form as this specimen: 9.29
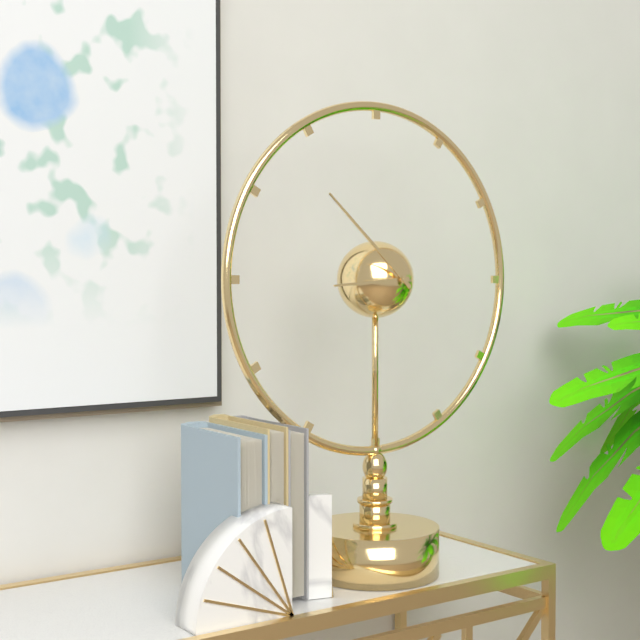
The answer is 8.52
